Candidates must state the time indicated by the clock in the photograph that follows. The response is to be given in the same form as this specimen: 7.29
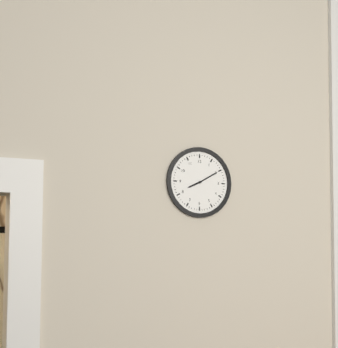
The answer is 8.10
